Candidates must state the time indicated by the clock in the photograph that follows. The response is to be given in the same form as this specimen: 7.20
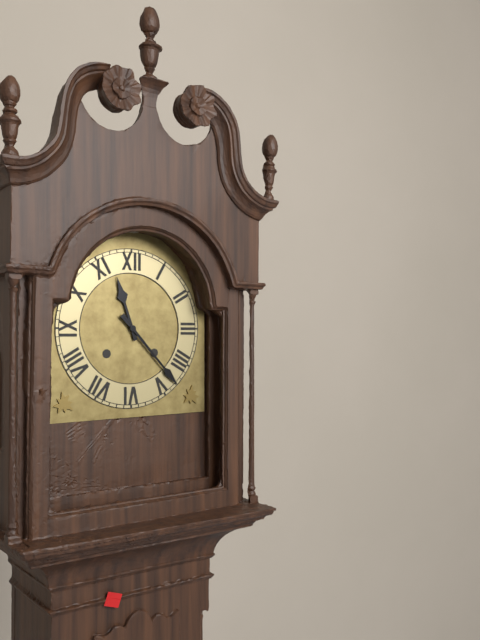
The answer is 11.23
